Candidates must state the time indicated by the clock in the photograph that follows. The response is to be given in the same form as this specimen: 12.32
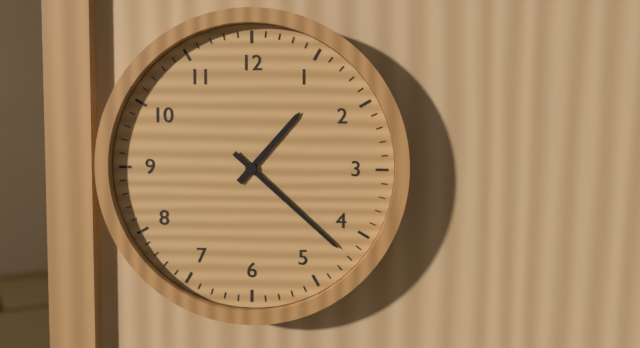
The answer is 1.22
